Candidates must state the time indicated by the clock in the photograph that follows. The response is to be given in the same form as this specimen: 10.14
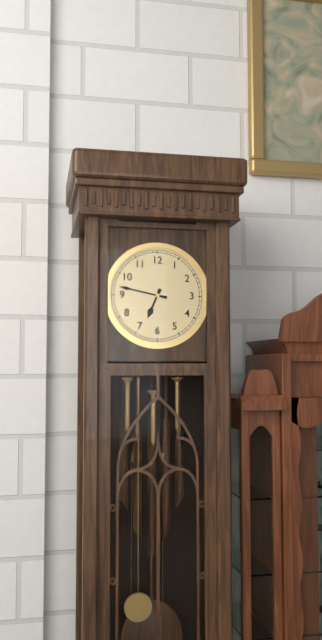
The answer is 6.47
